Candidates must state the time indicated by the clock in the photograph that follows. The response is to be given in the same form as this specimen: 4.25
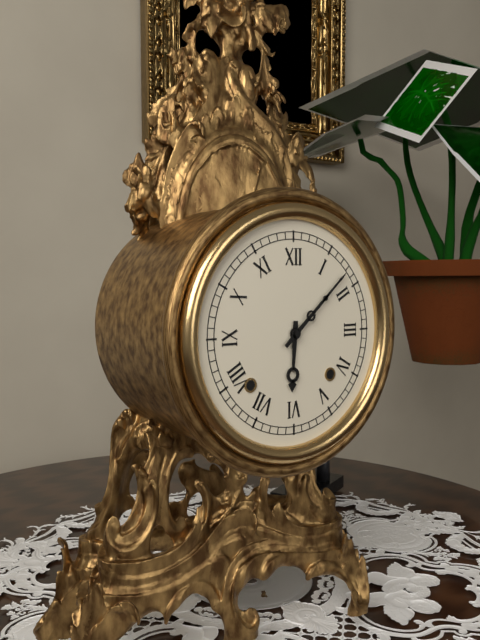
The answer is 6.08
